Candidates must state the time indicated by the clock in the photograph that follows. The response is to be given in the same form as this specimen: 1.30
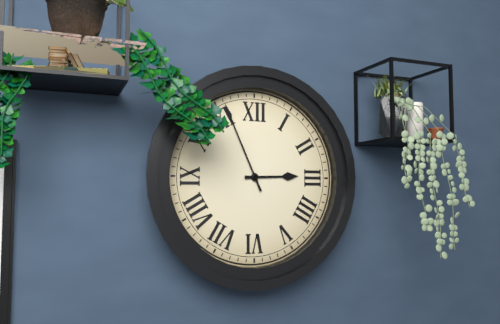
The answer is 2.56
